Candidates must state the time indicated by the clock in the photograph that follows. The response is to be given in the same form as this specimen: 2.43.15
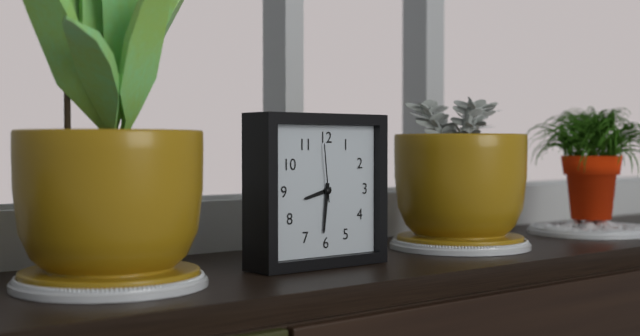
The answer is 8.31.59
